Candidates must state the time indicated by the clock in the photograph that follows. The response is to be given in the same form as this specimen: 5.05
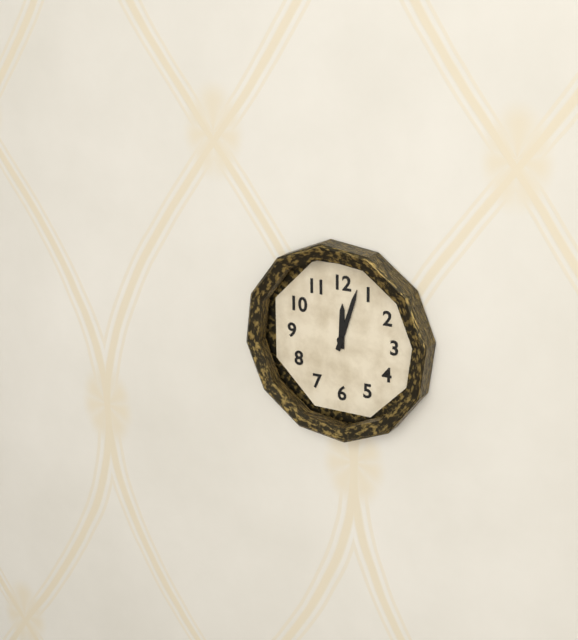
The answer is 12.03
